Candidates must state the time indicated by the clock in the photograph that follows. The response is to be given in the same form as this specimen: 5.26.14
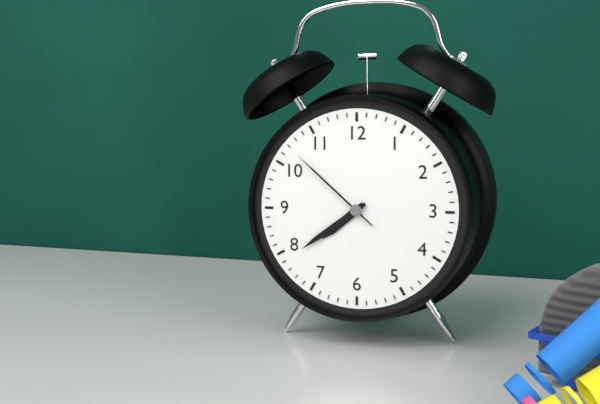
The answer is 7.39.52
